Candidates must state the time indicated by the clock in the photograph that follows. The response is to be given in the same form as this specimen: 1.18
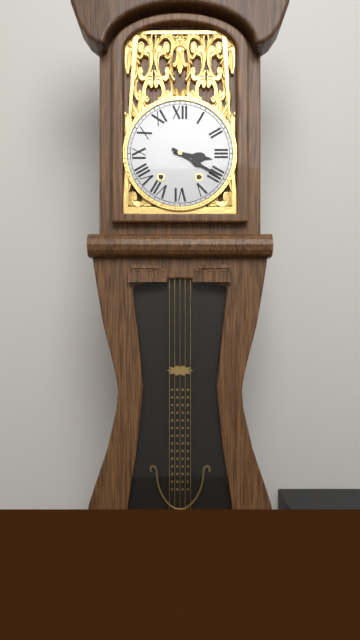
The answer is 3.20
